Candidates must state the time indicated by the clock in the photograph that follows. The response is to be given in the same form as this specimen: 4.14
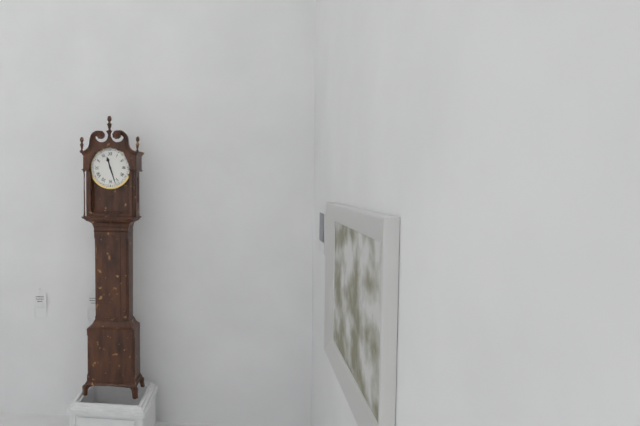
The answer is 11.27
